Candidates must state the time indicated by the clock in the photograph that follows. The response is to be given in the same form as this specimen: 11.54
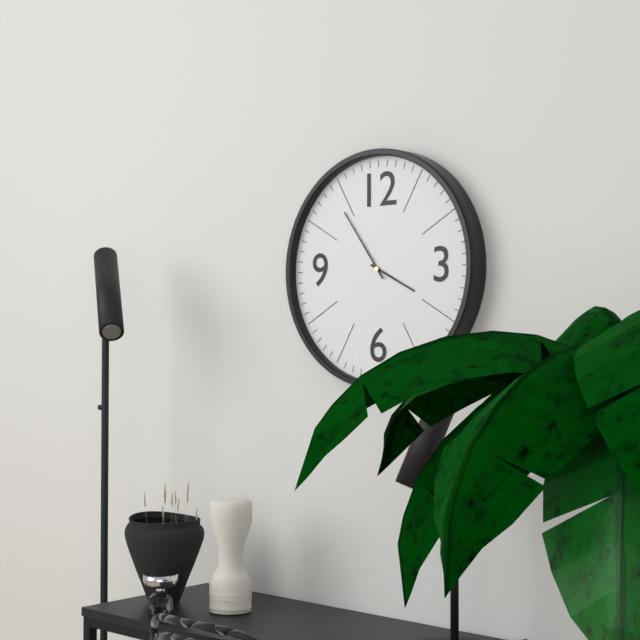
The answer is 3.54
